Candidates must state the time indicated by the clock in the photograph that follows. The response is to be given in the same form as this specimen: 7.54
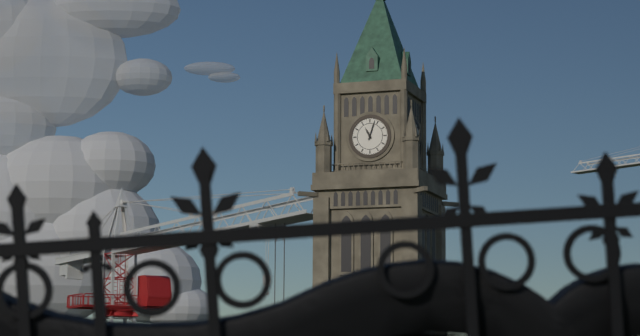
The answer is 11.03
